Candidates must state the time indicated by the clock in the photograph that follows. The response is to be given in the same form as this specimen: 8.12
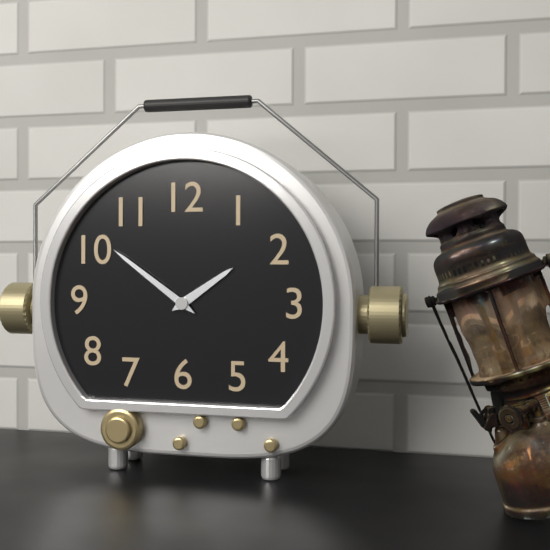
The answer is 1.51
